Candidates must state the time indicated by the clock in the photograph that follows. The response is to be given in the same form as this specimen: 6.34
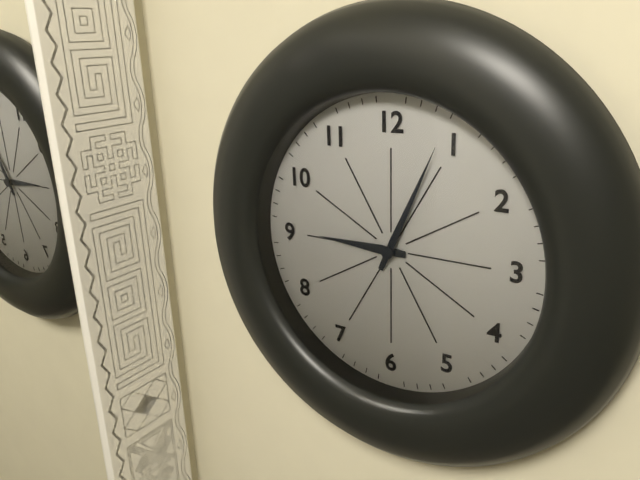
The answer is 9.04
